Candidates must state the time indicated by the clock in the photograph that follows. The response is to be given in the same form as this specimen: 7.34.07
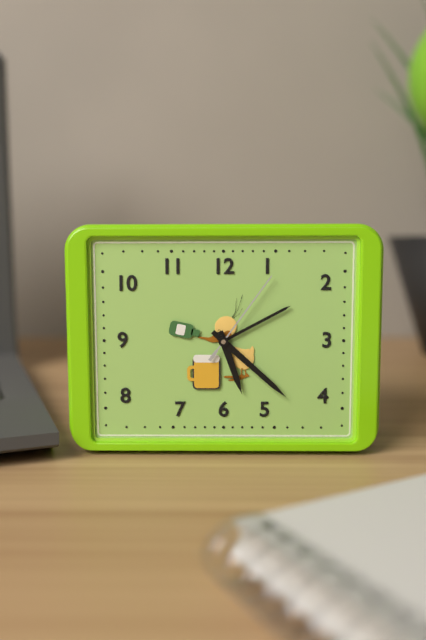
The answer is 5.22.06
